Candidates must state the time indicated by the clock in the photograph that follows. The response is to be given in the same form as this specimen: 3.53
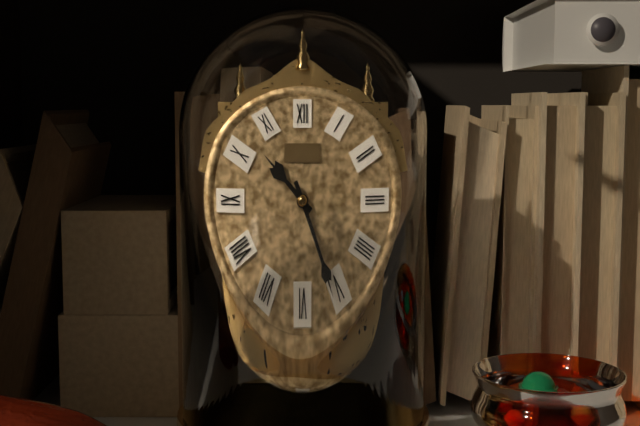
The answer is 10.26
